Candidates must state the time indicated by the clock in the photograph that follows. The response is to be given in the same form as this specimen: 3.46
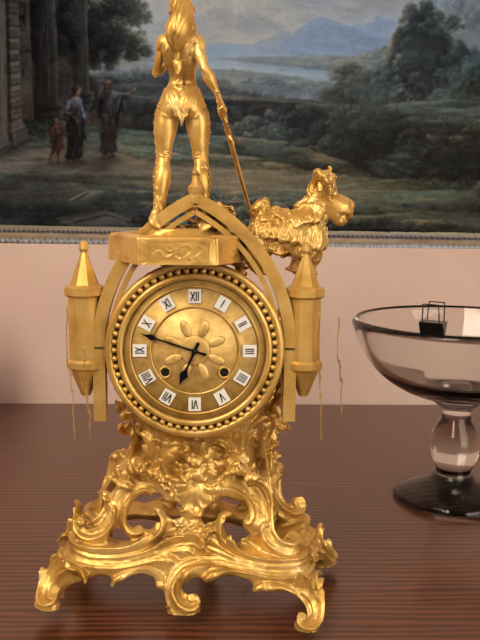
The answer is 6.48
